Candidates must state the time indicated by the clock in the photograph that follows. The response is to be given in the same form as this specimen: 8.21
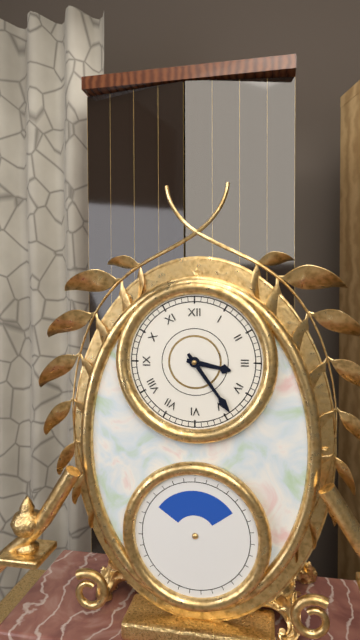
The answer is 3.24
